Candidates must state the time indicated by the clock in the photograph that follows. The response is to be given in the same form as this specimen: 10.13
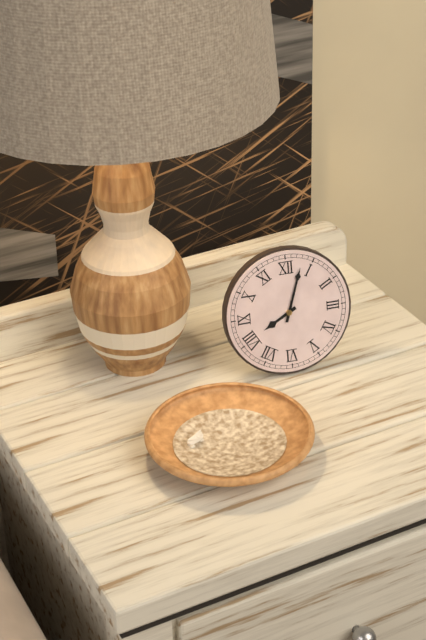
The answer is 8.03
